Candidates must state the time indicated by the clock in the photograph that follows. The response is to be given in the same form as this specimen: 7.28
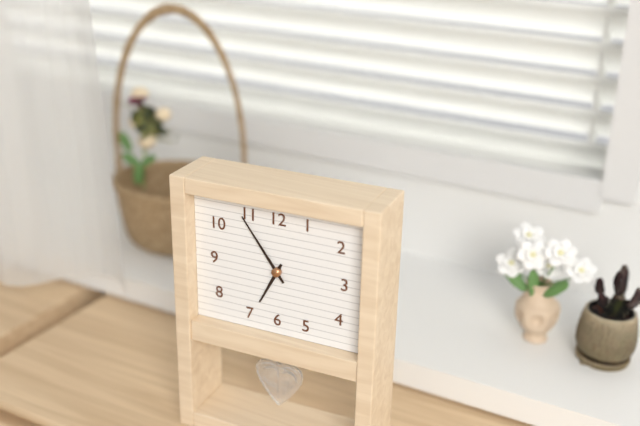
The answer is 6.54
